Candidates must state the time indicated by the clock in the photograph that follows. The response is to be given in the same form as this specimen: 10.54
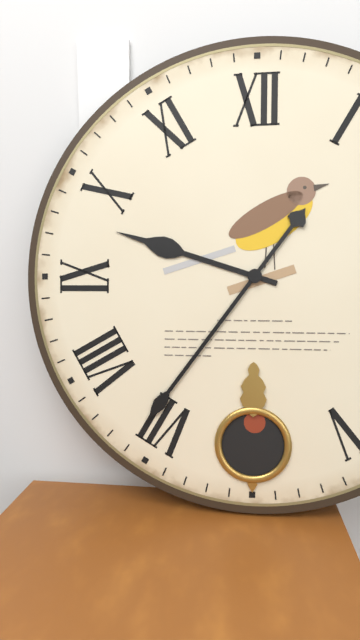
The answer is 9.36
